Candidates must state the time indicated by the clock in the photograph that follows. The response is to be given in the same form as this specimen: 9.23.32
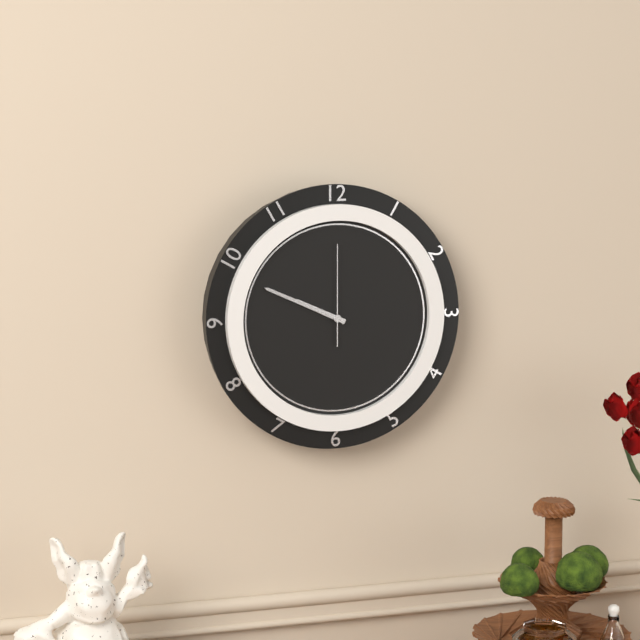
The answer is 9.49.00
